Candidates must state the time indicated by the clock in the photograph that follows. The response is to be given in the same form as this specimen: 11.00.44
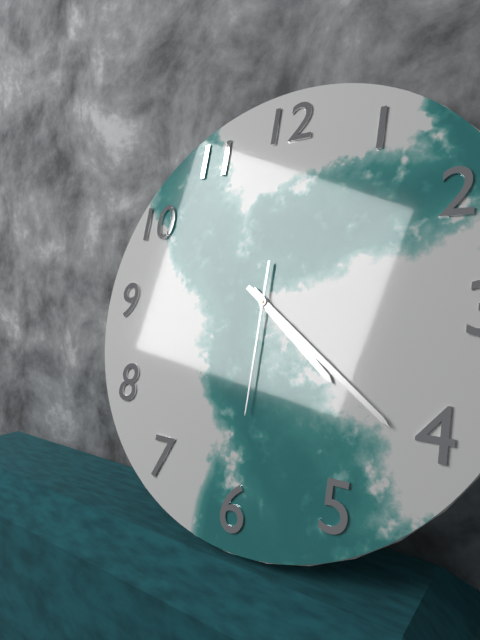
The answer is 4.21.30
